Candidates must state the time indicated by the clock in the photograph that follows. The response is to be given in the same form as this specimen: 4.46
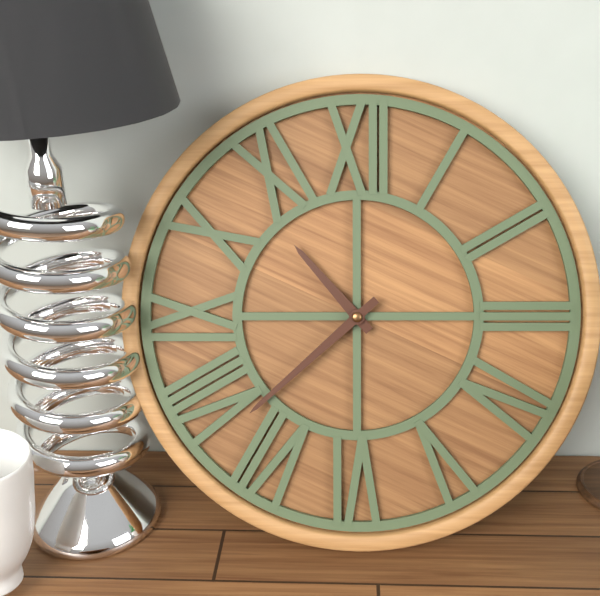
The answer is 10.38
